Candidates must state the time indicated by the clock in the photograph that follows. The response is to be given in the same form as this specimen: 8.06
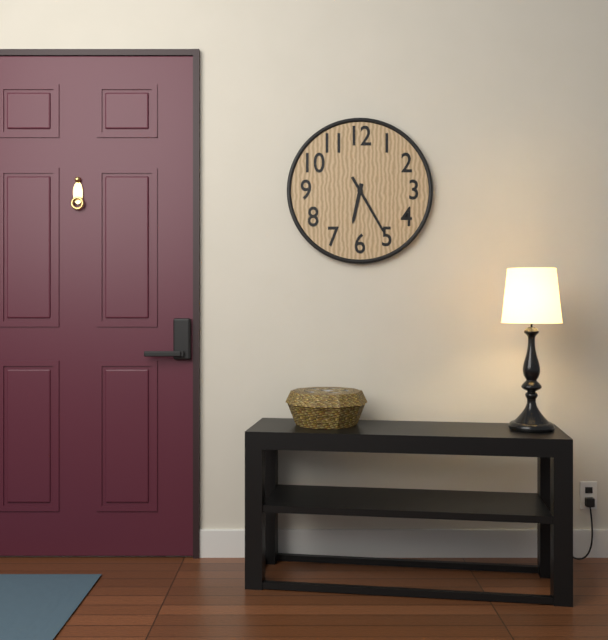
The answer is 6.25
